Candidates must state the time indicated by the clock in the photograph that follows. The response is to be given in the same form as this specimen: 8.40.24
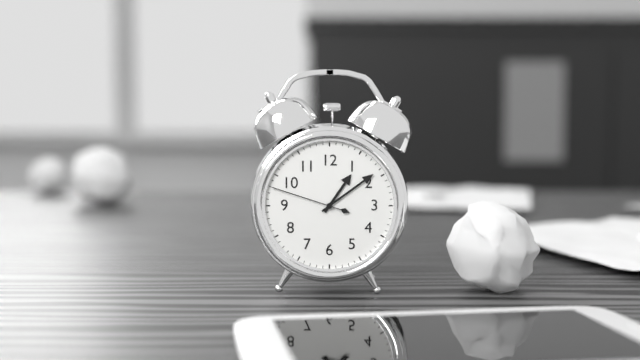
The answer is 1.09.48
